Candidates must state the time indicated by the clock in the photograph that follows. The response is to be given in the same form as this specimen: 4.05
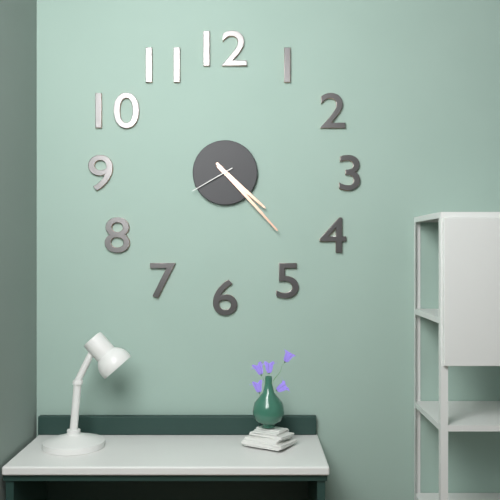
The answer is 4.23
